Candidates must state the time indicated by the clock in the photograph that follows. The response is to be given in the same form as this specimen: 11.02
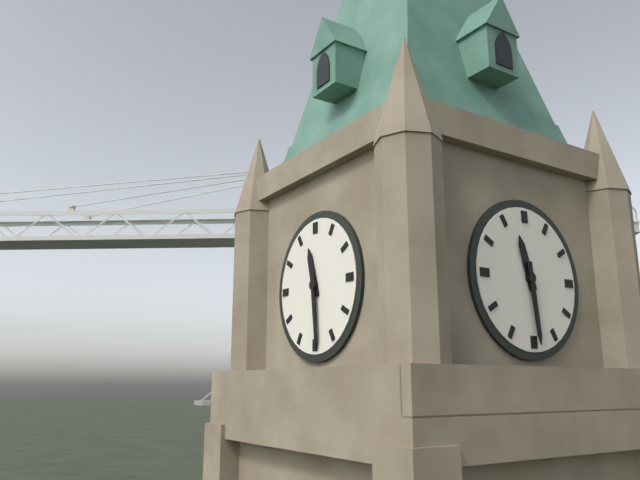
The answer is 11.29
